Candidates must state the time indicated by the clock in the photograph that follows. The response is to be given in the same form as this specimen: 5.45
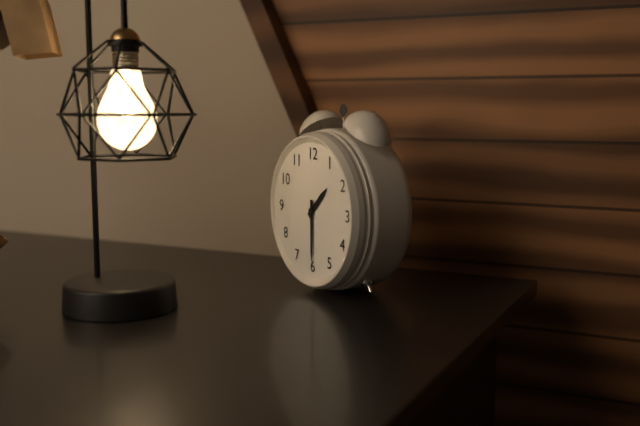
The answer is 1.30
